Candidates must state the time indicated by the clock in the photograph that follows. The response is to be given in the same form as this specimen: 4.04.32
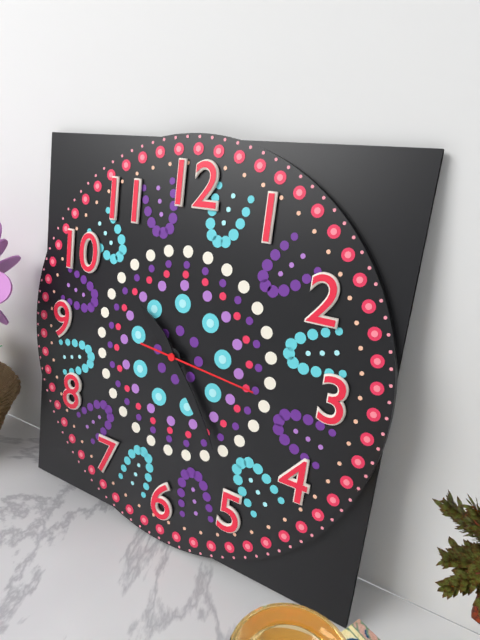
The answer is 10.24.16
